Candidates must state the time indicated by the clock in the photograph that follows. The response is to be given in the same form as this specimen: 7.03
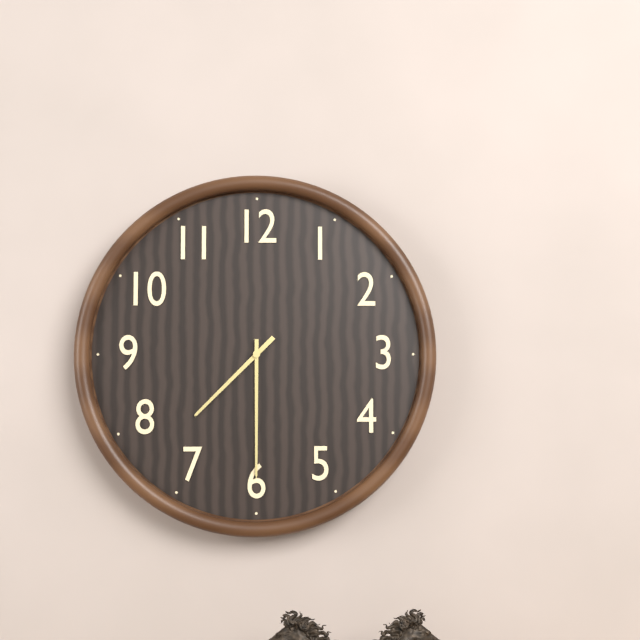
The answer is 7.30
